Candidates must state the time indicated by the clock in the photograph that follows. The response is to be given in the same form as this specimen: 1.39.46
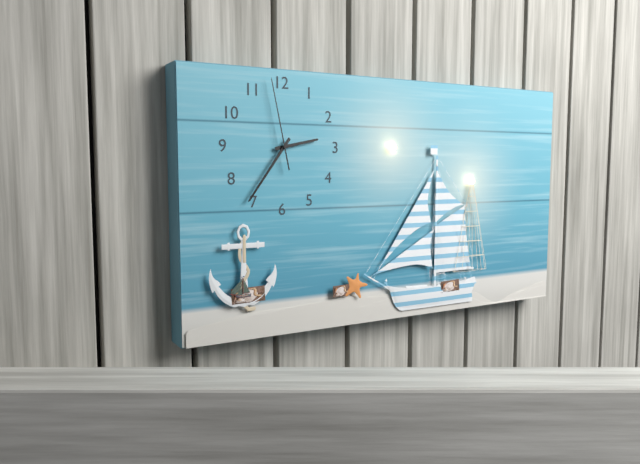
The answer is 2.36.58
